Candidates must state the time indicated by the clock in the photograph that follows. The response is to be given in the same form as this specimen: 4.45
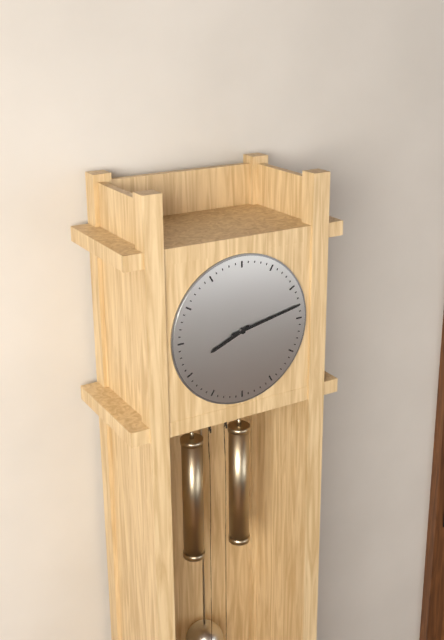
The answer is 8.13
